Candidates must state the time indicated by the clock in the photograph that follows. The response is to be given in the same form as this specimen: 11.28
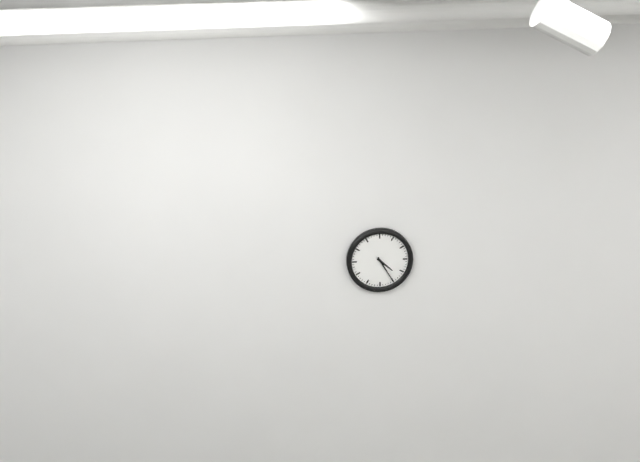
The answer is 4.25
